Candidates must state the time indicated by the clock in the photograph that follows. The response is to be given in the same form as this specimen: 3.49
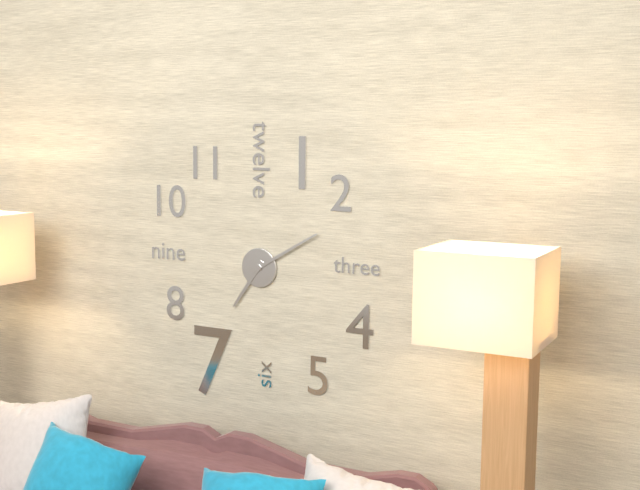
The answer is 7.10
